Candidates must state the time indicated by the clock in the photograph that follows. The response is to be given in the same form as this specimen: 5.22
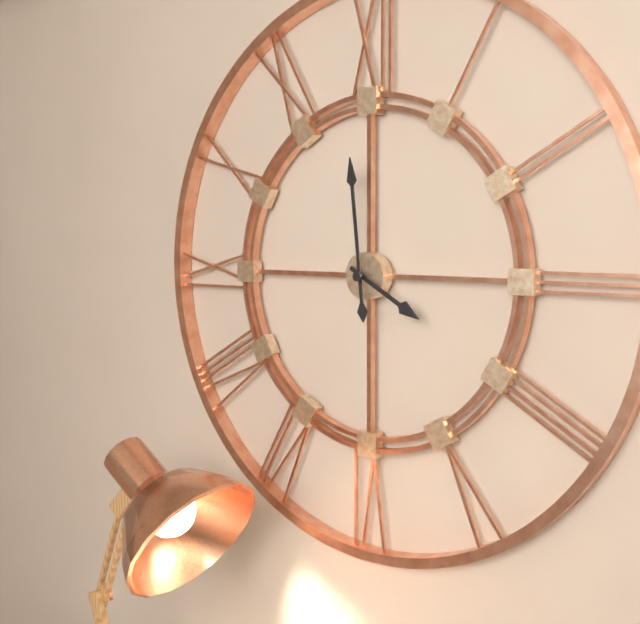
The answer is 3.59
